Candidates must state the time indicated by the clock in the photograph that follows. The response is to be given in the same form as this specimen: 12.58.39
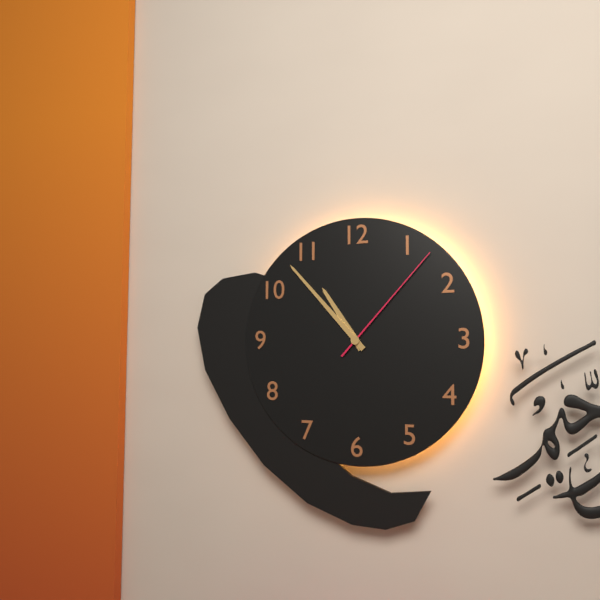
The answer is 10.53.07
